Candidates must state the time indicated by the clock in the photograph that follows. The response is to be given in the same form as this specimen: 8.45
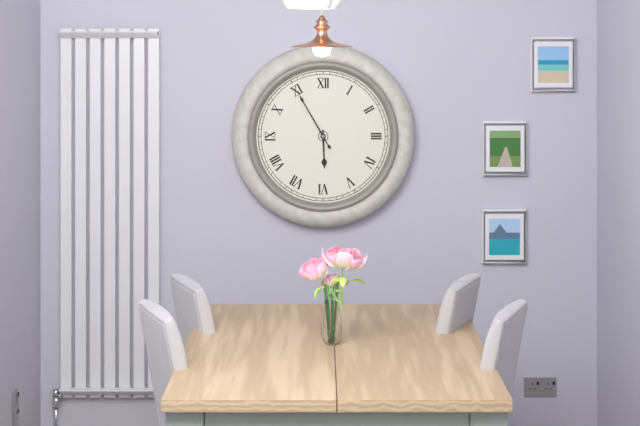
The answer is 5.55
